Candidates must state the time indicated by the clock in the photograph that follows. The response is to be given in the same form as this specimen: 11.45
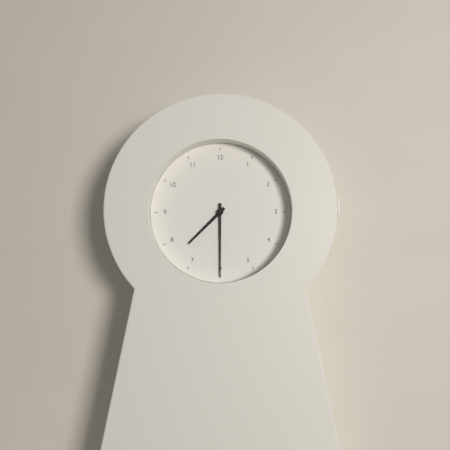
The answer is 7.30
